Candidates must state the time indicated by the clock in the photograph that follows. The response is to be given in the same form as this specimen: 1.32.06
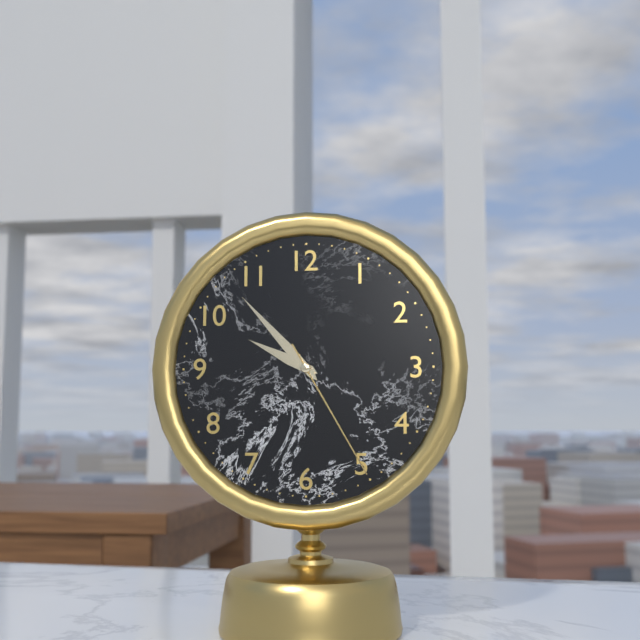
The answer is 9.53.25
